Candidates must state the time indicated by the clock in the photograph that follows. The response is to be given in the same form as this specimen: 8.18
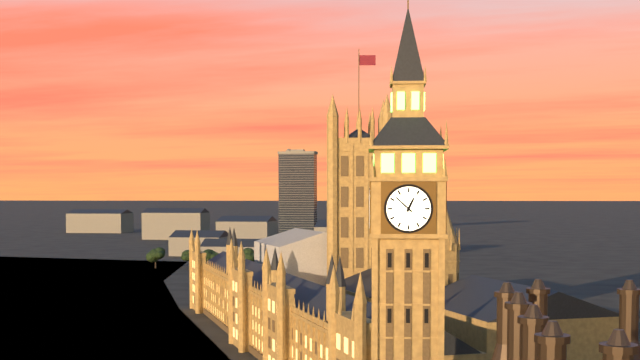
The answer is 12.52
